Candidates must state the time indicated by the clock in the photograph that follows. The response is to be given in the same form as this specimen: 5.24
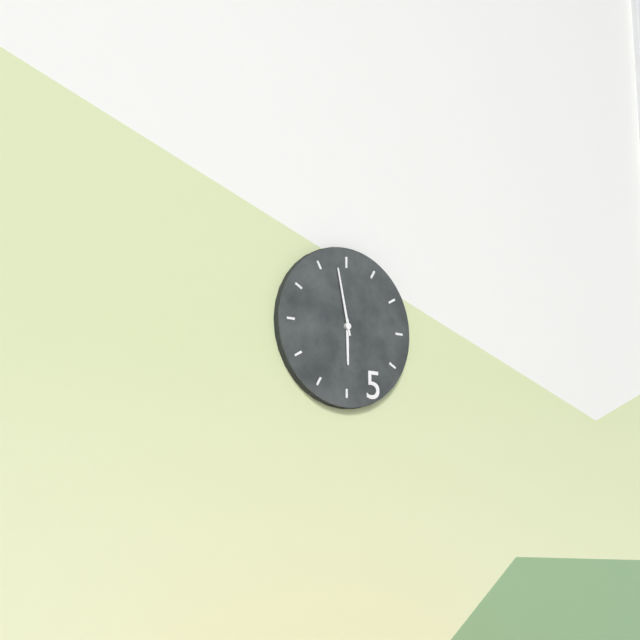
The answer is 5.58
